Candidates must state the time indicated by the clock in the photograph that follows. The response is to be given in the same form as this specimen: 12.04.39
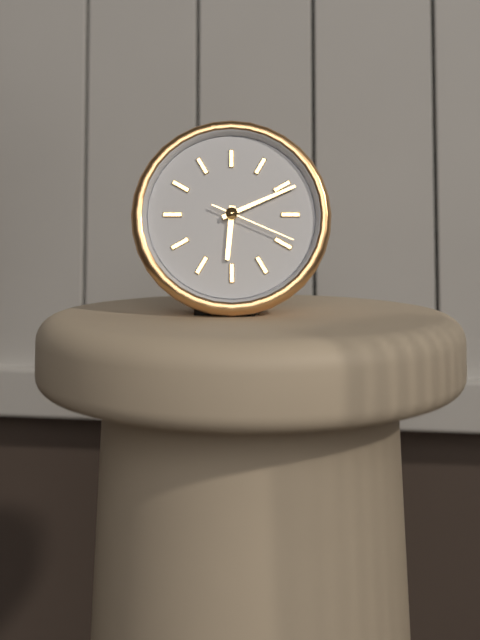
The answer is 6.11.19
